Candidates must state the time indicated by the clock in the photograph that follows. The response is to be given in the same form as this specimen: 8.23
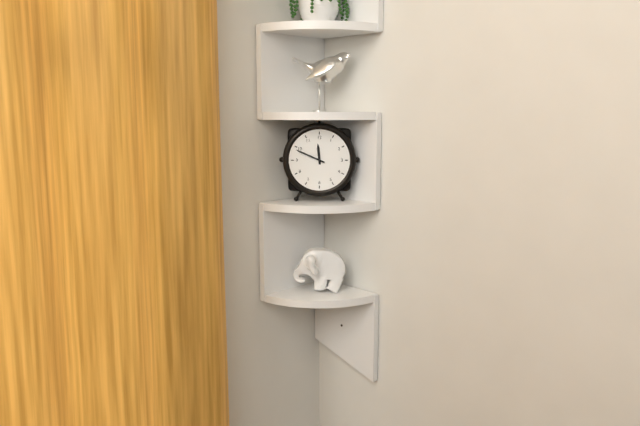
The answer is 11.49
